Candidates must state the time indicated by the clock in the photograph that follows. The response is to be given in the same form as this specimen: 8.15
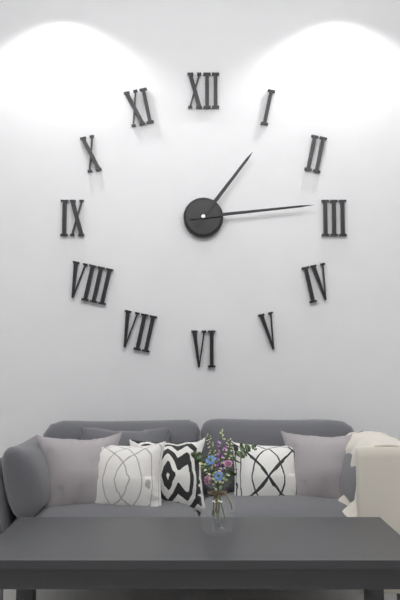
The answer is 1.14
